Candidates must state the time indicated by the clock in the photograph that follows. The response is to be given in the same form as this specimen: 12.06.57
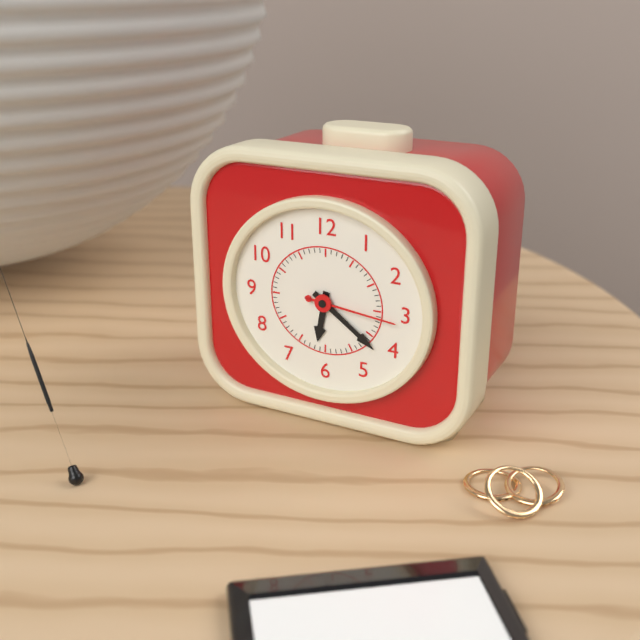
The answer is 6.21.16
